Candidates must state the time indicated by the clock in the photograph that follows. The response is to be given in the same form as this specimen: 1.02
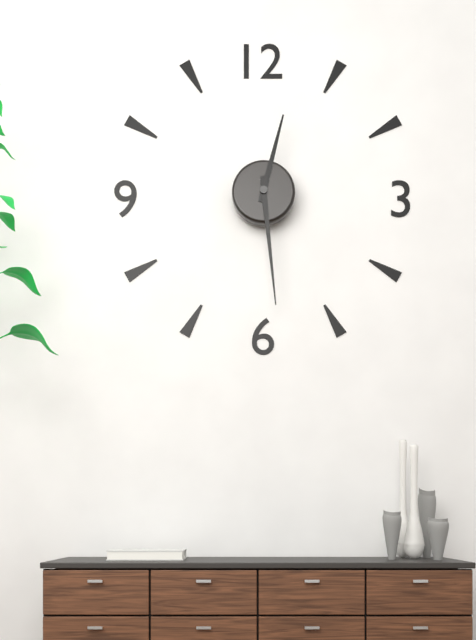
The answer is 12.29
